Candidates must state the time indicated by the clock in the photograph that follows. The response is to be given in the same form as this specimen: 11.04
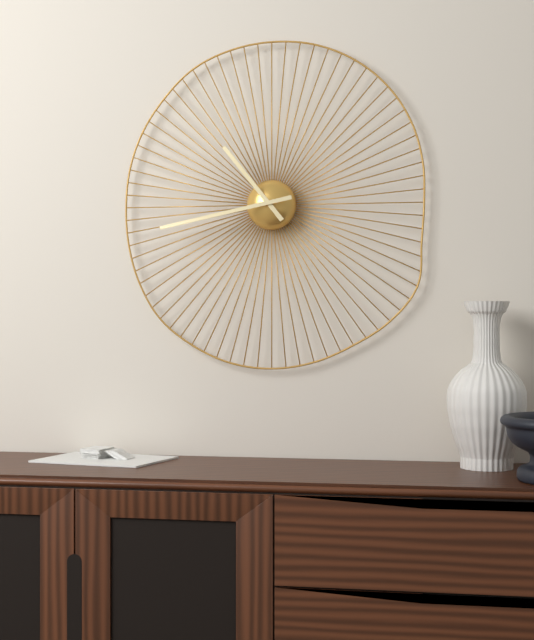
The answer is 10.43
